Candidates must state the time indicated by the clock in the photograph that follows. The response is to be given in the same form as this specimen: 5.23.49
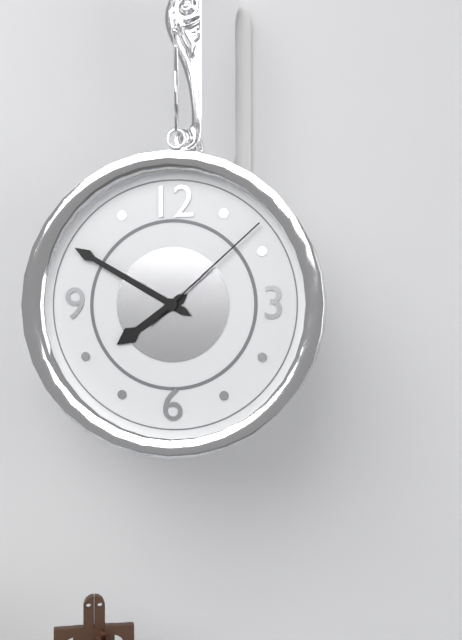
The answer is 7.50.08
